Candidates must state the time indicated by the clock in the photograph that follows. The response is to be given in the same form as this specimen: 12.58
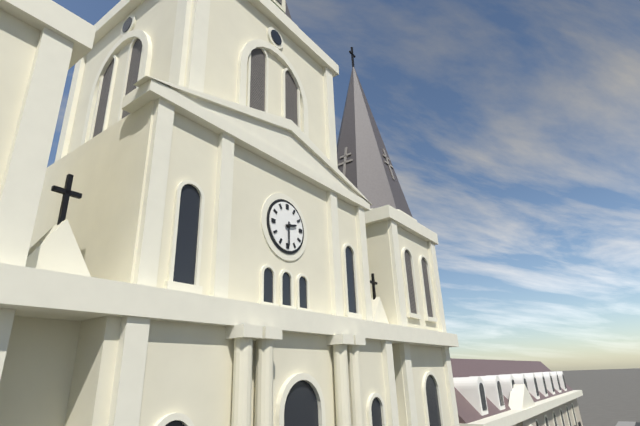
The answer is 2.30
